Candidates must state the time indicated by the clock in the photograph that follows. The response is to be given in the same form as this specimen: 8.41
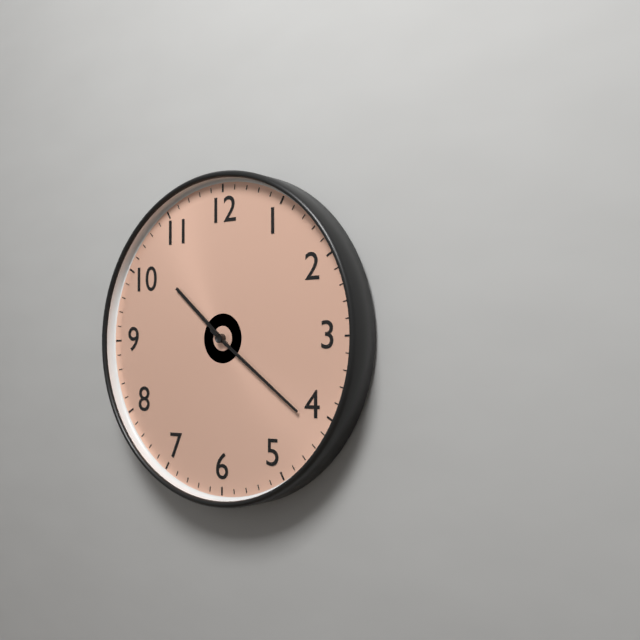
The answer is 10.21
